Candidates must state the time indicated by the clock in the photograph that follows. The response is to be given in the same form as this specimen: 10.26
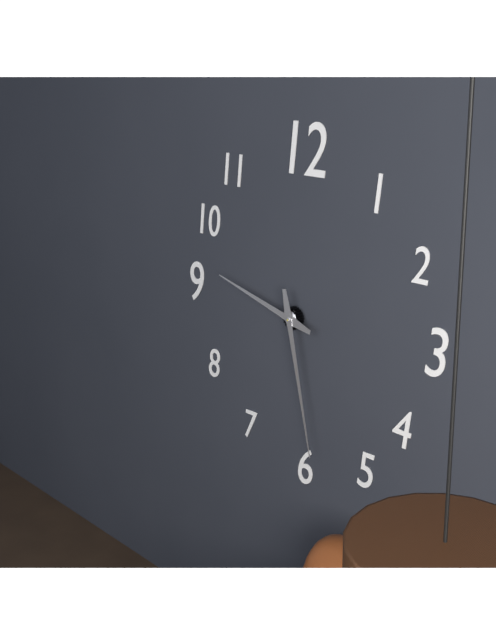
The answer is 9.28
